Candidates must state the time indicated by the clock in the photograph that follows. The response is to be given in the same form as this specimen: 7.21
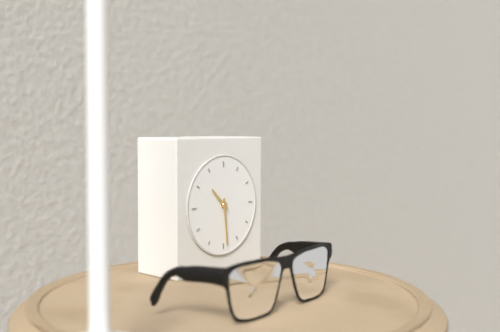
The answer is 10.29
